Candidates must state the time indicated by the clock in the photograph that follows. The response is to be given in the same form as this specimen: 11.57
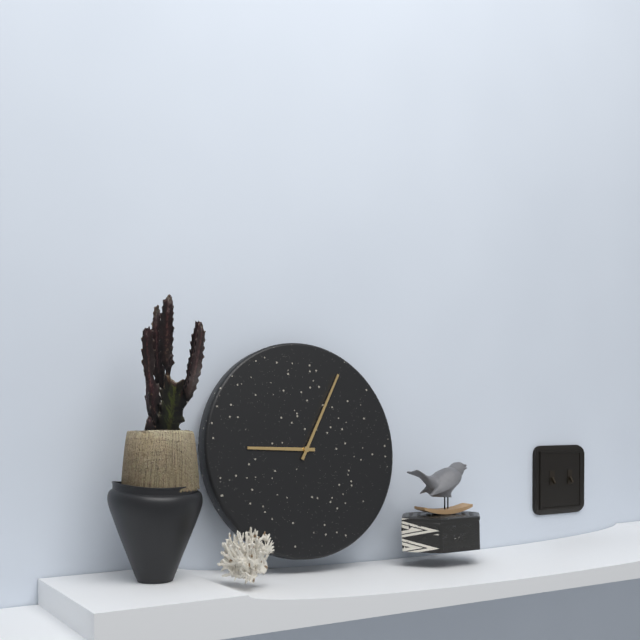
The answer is 9.05
